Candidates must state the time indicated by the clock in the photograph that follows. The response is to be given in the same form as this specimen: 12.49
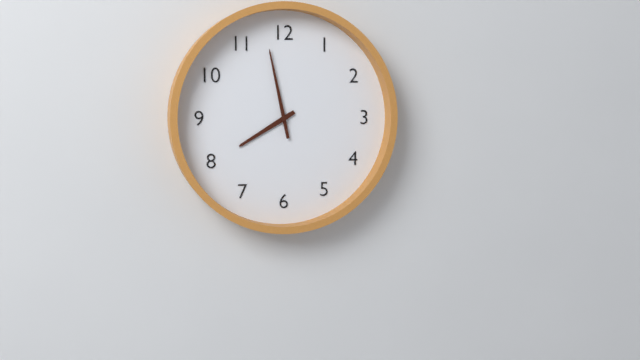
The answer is 7.58
